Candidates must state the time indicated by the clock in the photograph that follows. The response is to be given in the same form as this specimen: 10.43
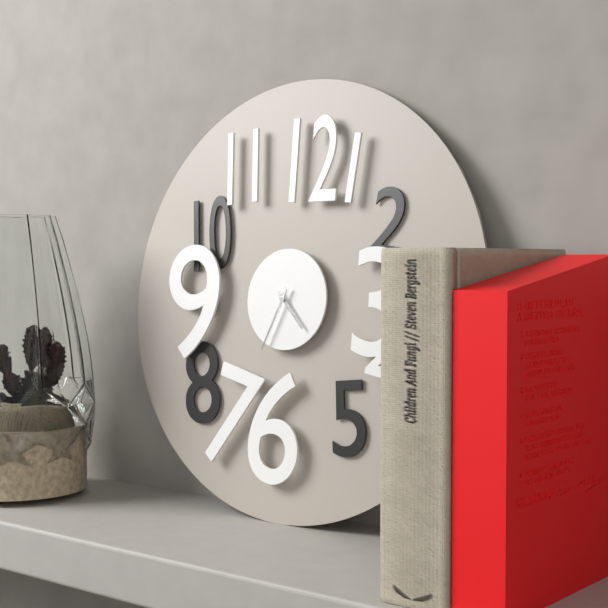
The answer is 4.34
